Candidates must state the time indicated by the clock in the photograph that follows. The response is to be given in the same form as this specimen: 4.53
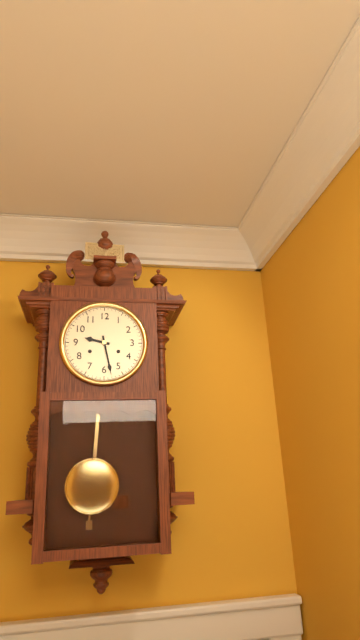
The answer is 9.28
